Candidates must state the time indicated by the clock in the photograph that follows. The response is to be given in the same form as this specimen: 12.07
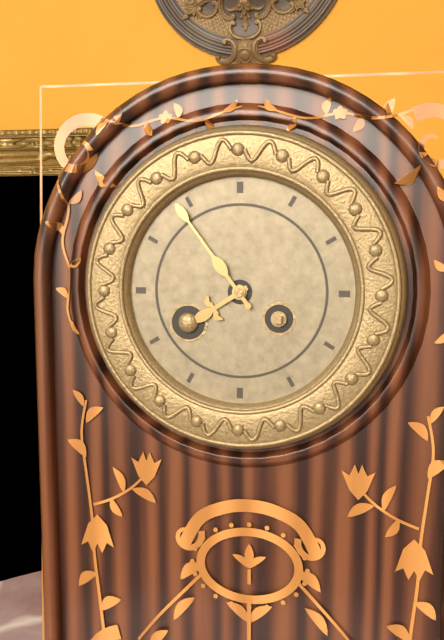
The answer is 7.54
